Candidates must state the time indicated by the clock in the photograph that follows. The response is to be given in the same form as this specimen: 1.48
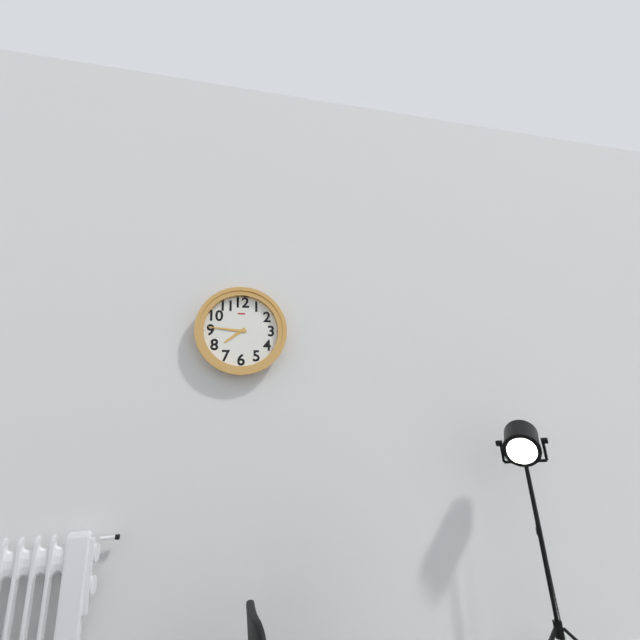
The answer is 7.46
